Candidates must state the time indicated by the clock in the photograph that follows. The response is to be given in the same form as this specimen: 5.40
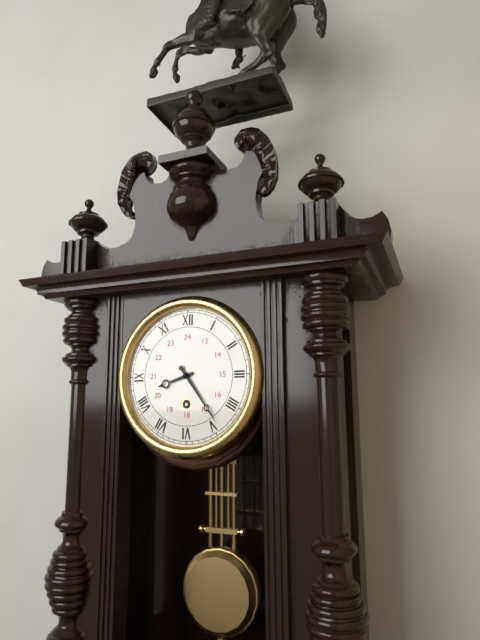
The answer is 8.24
